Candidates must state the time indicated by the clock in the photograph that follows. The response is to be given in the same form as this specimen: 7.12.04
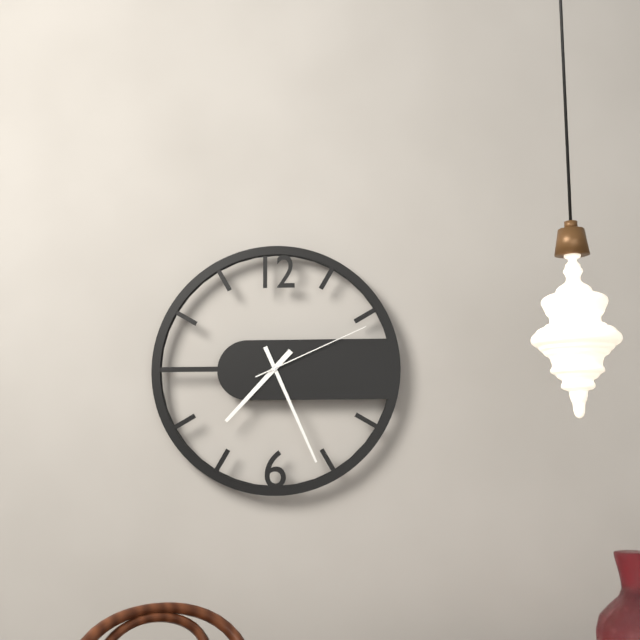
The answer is 7.26.11
